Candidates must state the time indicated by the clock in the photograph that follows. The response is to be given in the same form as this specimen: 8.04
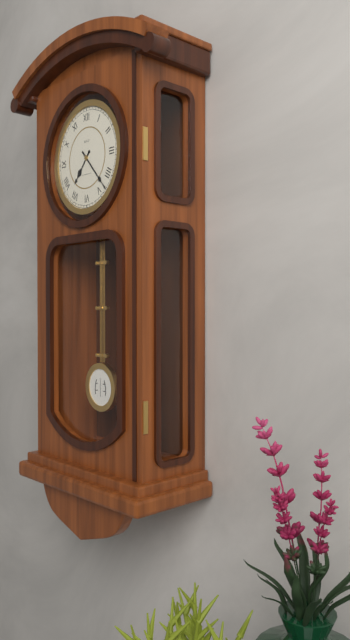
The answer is 7.23
